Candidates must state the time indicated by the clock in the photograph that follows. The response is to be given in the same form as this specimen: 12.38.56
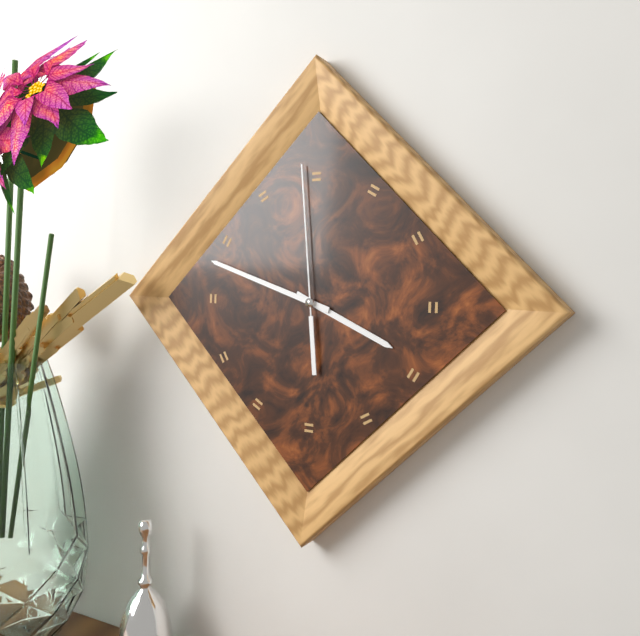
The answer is 3.48.59
